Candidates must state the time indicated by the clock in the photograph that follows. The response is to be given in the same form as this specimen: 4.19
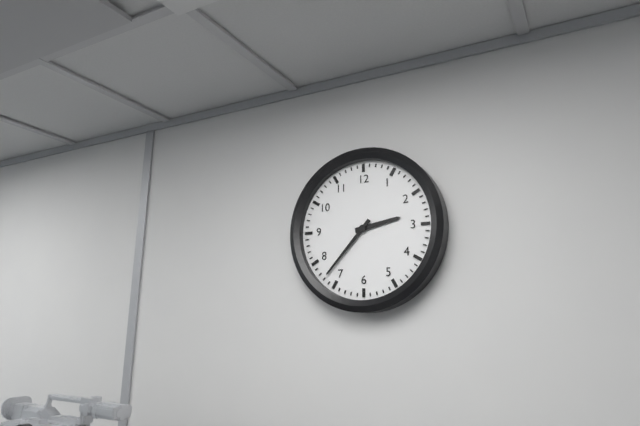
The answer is 2.37
